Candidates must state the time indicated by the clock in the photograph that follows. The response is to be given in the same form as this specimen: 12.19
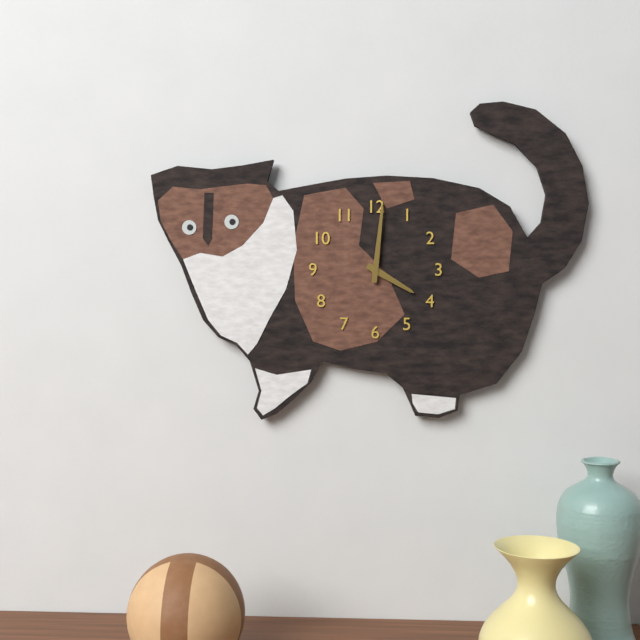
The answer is 4.01
